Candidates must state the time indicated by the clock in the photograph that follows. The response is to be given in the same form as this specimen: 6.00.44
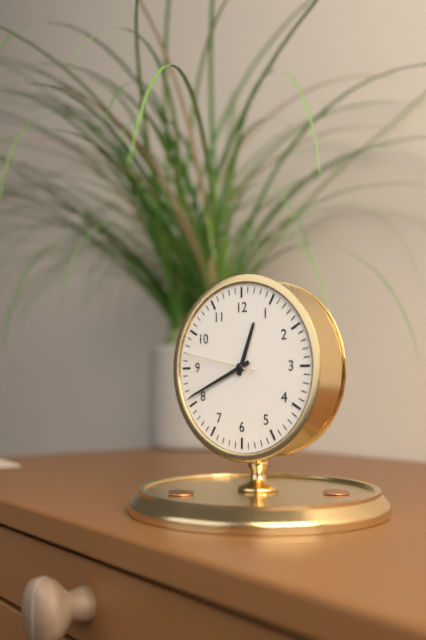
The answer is 12.41.47
